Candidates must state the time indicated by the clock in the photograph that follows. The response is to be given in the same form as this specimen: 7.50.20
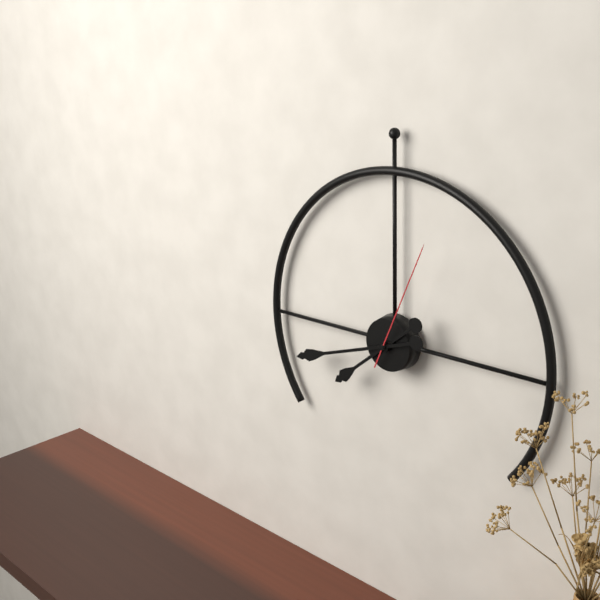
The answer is 7.42.04
